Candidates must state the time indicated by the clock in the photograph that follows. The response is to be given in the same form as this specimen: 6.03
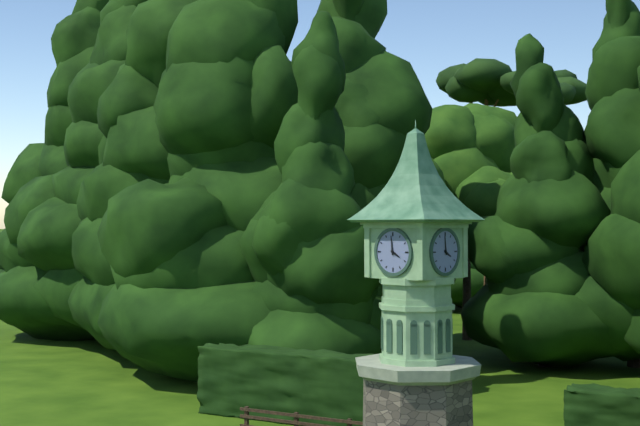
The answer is 3.59
